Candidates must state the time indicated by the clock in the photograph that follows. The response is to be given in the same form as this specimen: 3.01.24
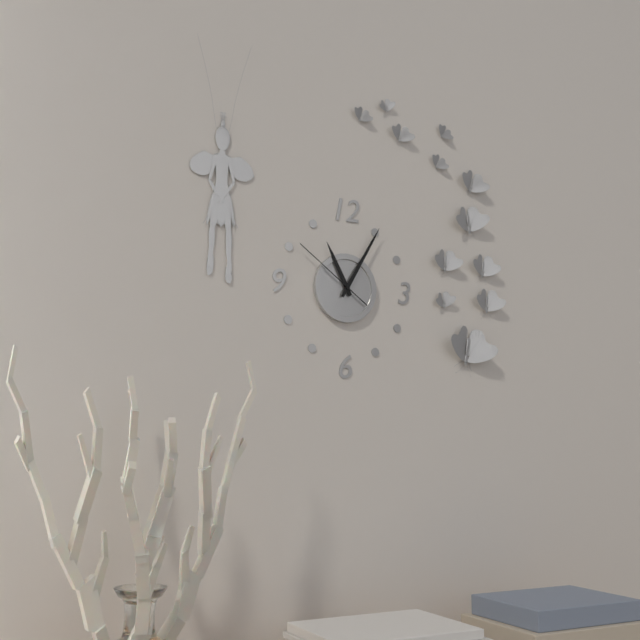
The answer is 11.05.51
